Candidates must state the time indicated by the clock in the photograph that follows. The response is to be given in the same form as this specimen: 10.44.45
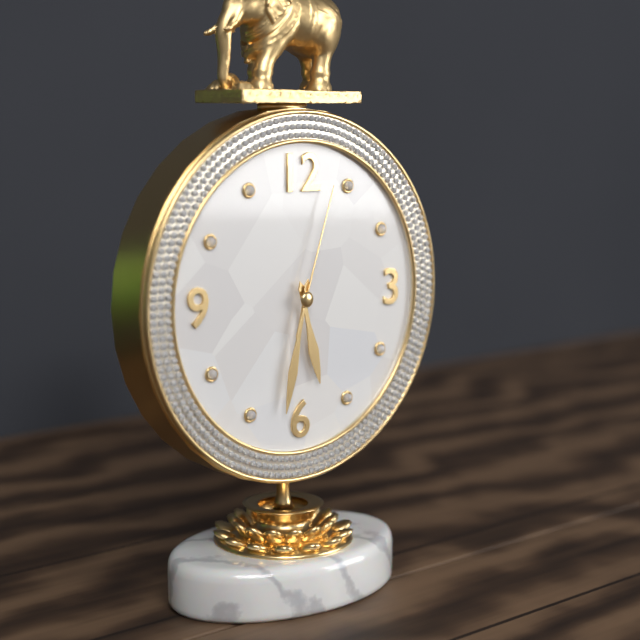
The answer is 5.32.03
